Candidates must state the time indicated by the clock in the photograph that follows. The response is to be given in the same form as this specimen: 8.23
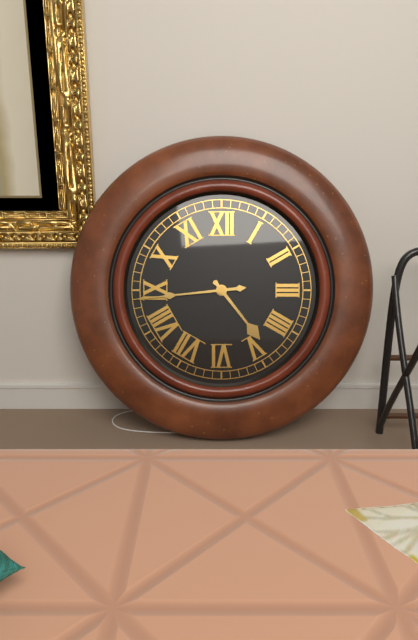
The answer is 4.44
